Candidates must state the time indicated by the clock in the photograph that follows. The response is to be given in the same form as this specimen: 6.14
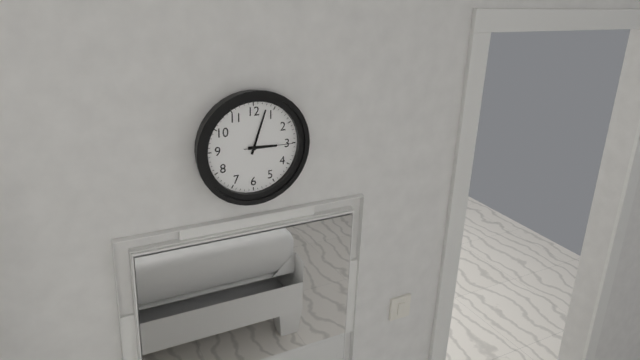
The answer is 3.03
